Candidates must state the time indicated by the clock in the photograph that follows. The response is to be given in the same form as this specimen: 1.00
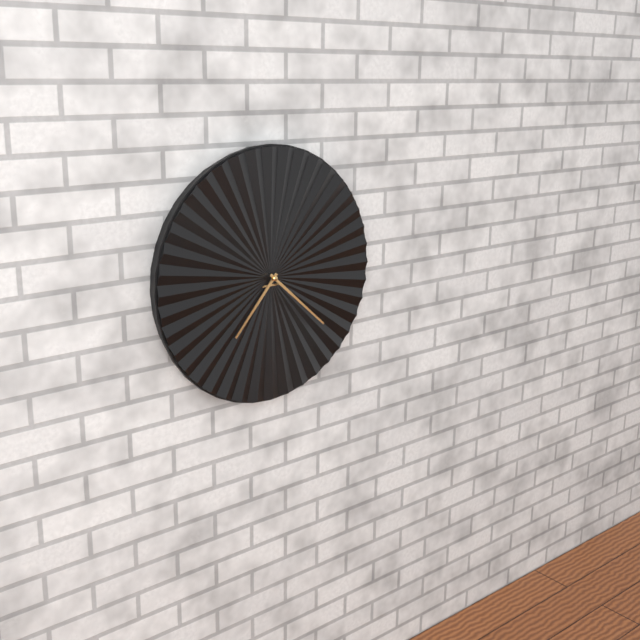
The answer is 7.22
